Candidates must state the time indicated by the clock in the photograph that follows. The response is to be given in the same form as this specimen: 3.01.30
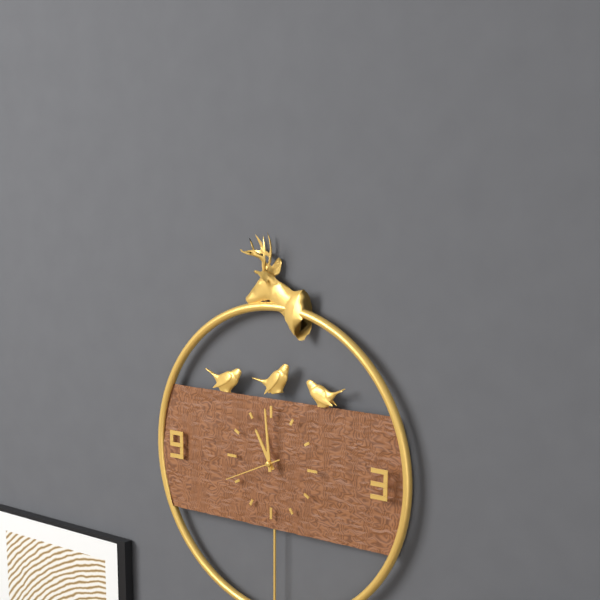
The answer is 10.59.41
